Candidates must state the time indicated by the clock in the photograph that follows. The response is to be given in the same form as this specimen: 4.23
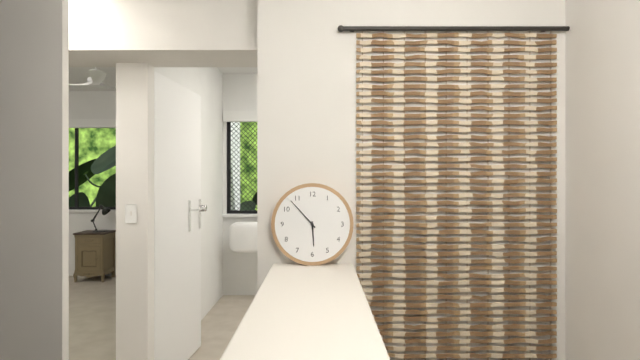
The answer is 5.53
